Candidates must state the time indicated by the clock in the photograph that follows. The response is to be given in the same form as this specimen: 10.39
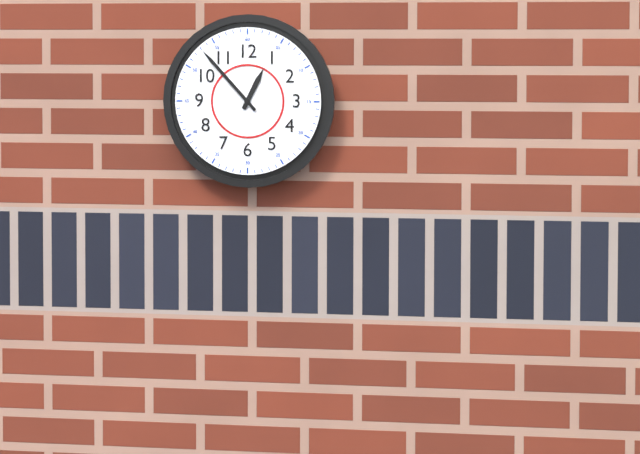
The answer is 12.53
